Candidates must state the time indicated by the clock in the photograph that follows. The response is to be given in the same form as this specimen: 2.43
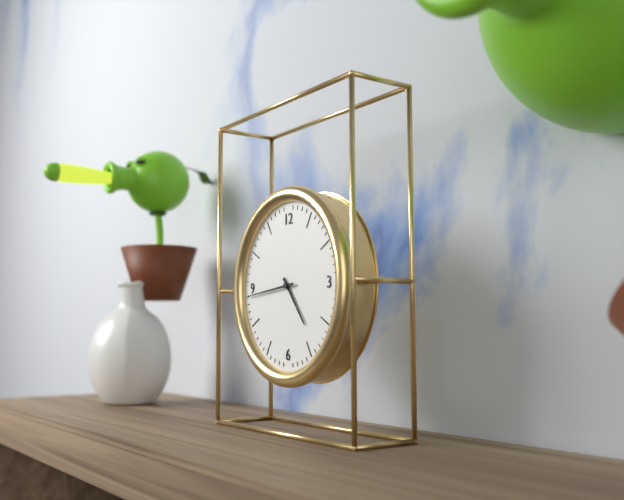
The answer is 4.44
